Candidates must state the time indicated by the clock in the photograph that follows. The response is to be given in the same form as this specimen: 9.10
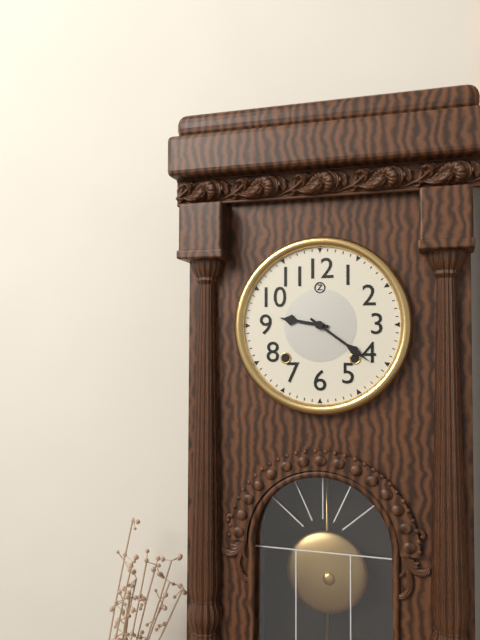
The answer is 9.21
